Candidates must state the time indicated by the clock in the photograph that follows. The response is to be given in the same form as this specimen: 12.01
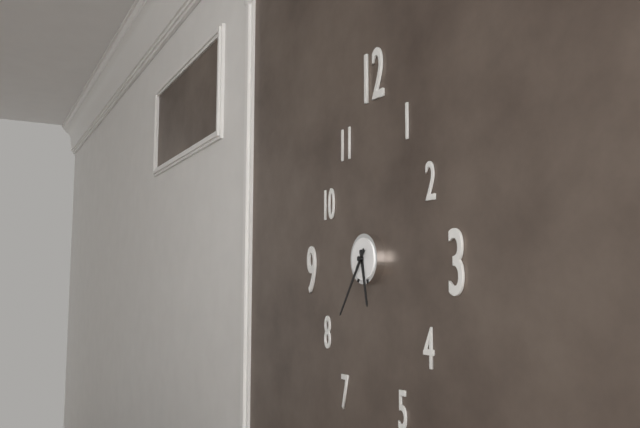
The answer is 5.36
